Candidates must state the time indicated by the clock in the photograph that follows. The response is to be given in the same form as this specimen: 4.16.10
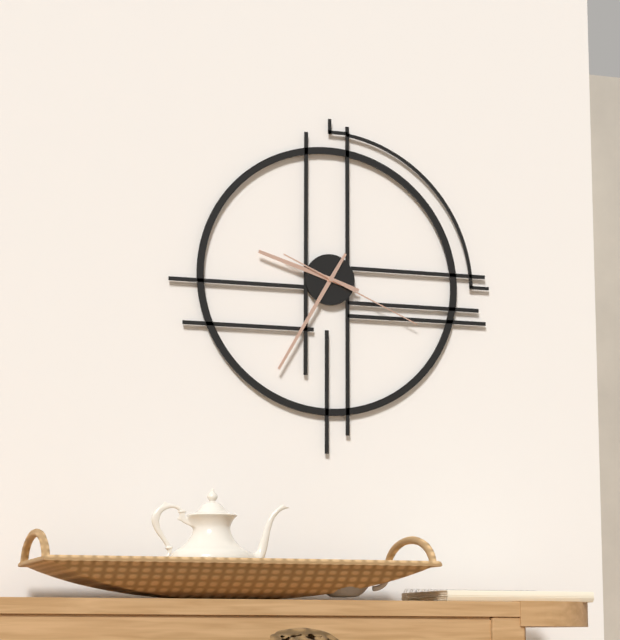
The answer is 9.35.19
